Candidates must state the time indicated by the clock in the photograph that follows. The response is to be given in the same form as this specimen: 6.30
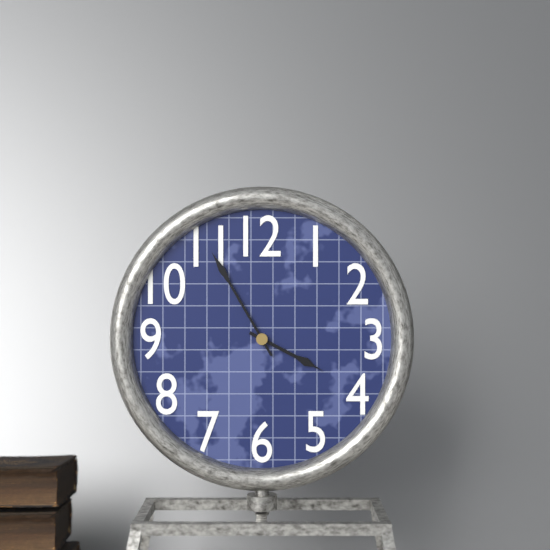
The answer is 3.55
